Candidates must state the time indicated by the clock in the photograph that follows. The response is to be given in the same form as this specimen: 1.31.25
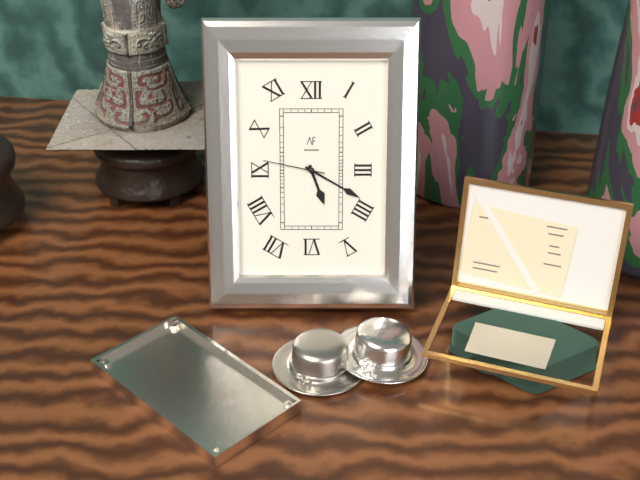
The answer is 5.20.47
